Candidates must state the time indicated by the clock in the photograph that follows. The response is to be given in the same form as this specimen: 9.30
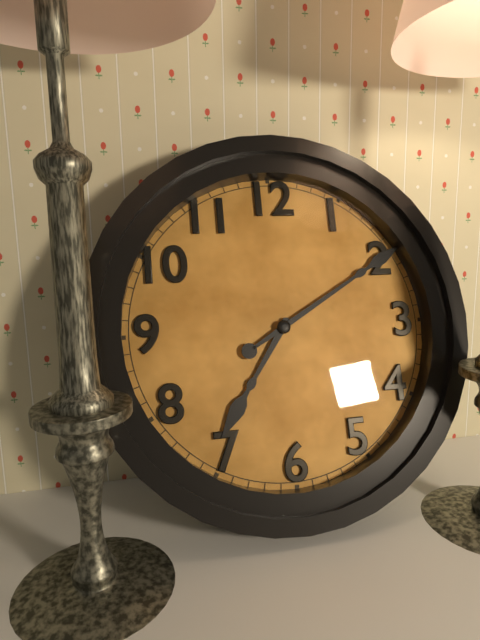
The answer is 7.10
